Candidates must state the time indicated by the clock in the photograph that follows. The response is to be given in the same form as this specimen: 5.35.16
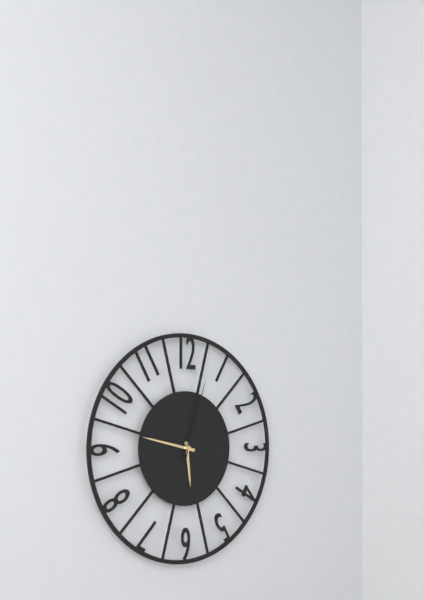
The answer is 5.47.03
